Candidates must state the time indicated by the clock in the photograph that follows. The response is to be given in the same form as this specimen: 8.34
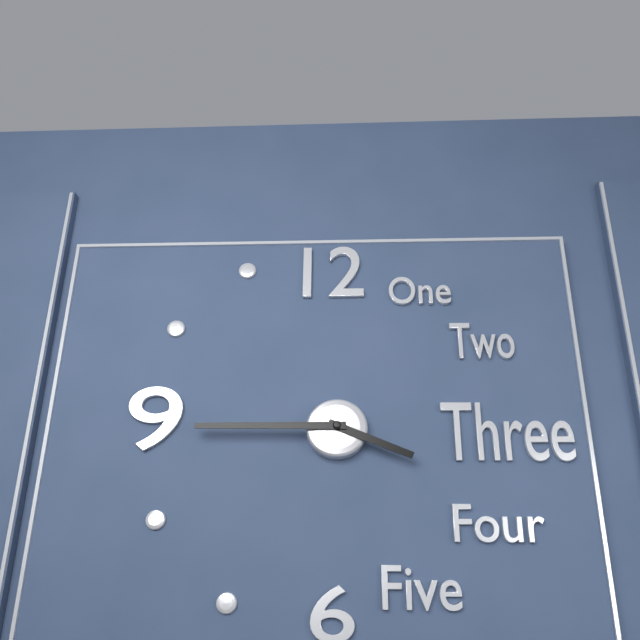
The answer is 3.45
